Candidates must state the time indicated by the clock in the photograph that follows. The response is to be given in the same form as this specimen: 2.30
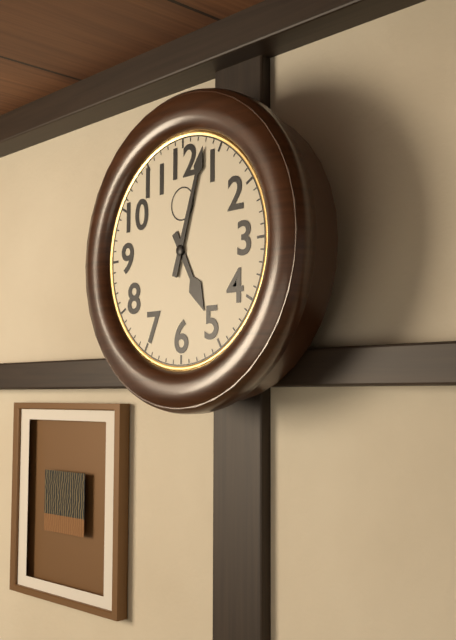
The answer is 5.03
